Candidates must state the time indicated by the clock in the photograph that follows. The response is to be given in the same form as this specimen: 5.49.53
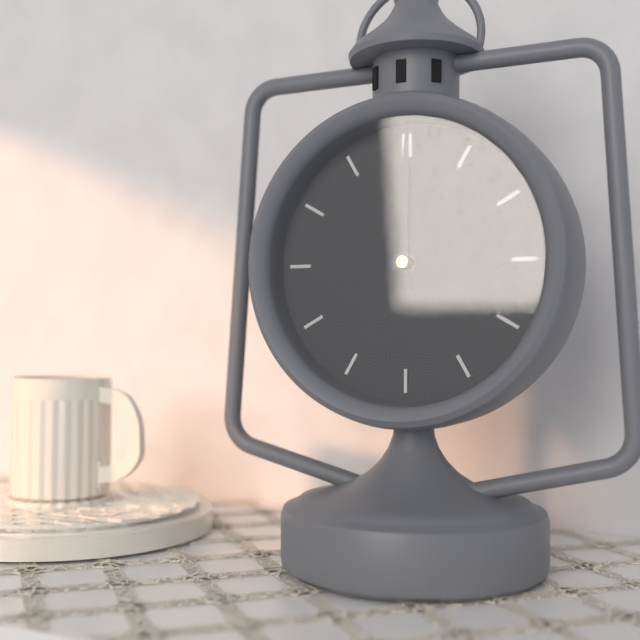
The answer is 12.00.58
